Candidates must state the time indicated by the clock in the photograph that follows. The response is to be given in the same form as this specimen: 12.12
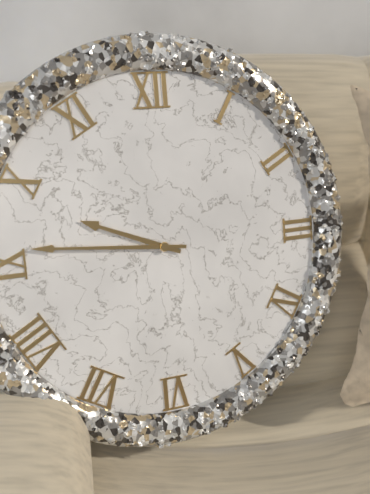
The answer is 9.46
